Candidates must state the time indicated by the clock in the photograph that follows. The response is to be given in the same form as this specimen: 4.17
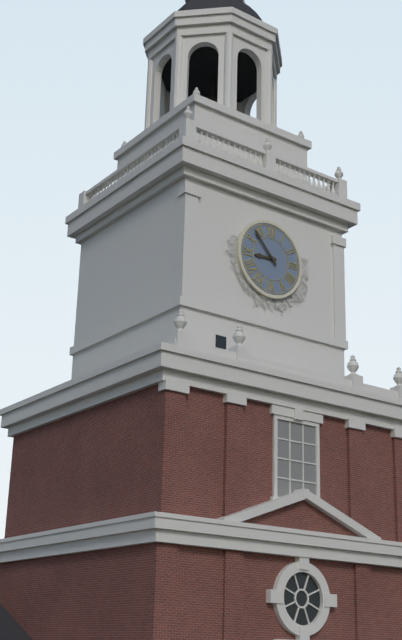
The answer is 8.53
